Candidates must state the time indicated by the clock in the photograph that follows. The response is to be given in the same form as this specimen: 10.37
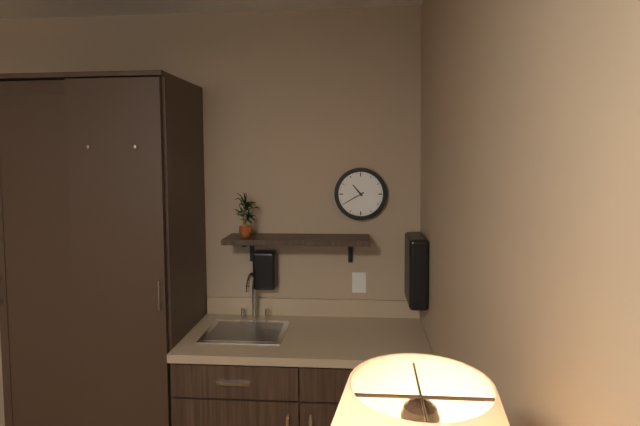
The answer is 10.40
